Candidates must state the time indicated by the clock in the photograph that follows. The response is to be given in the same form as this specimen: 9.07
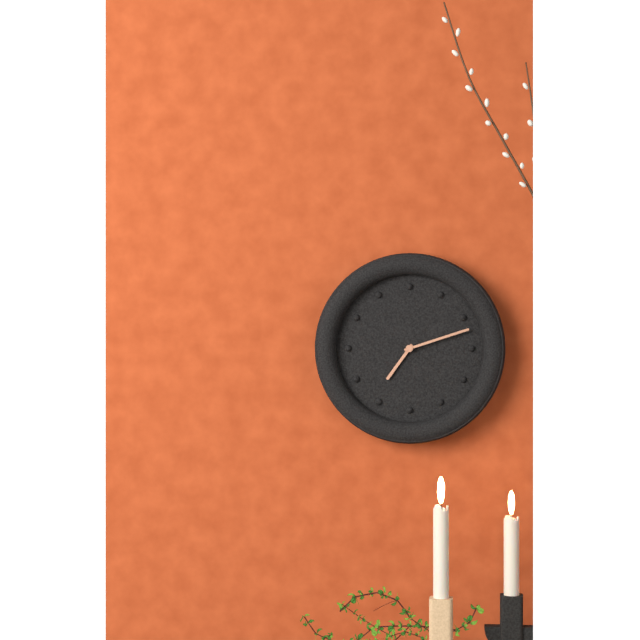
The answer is 7.12
